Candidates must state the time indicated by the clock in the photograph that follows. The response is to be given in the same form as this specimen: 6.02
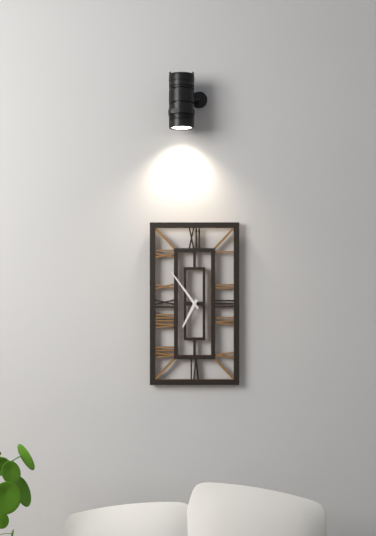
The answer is 6.54
